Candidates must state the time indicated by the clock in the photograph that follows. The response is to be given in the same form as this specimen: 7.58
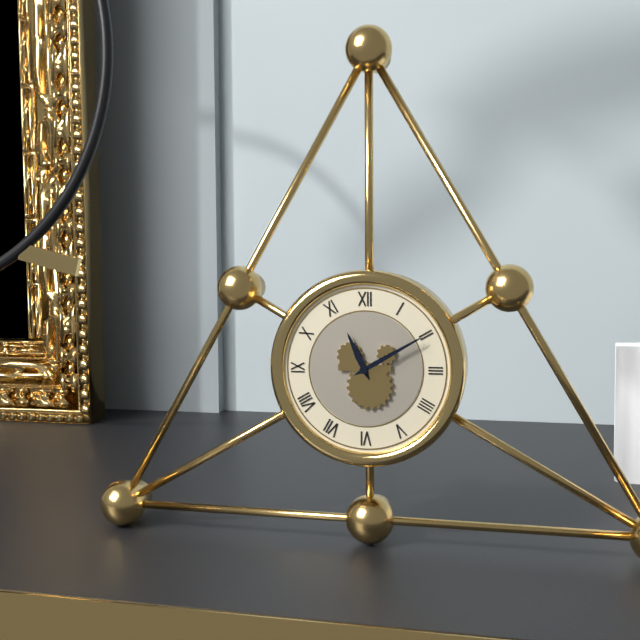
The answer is 11.10
